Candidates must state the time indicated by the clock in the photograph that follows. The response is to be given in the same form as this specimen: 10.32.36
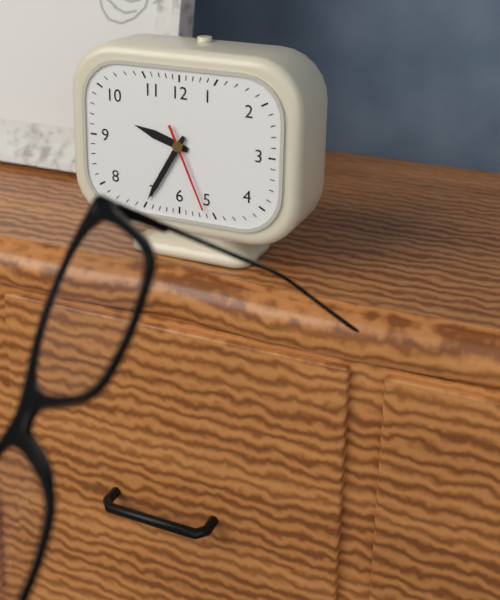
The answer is 9.35.26
